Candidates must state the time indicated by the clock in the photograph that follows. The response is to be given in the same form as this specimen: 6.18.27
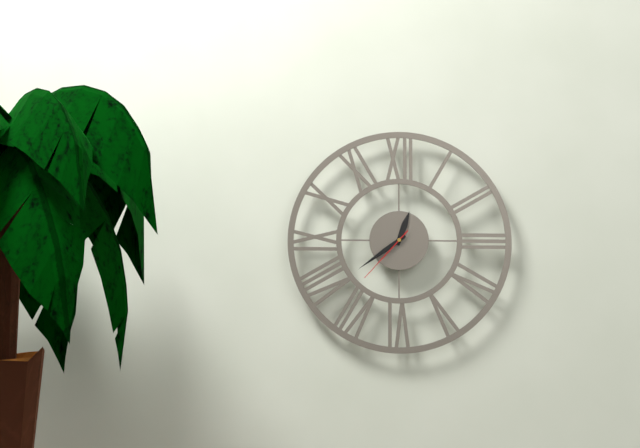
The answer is 12.39.37
